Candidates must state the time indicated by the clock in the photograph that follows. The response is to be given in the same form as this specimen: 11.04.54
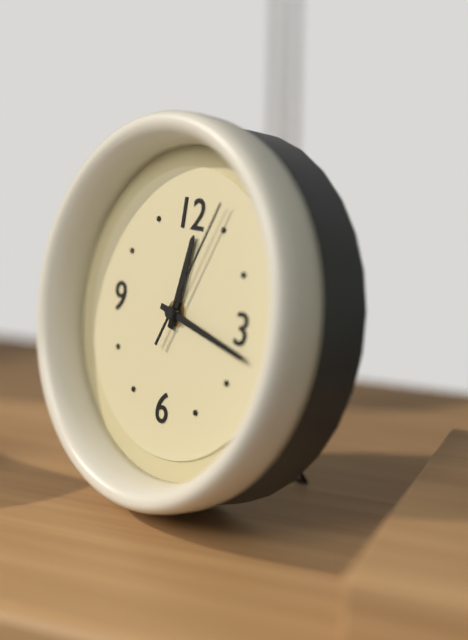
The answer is 12.17.04
